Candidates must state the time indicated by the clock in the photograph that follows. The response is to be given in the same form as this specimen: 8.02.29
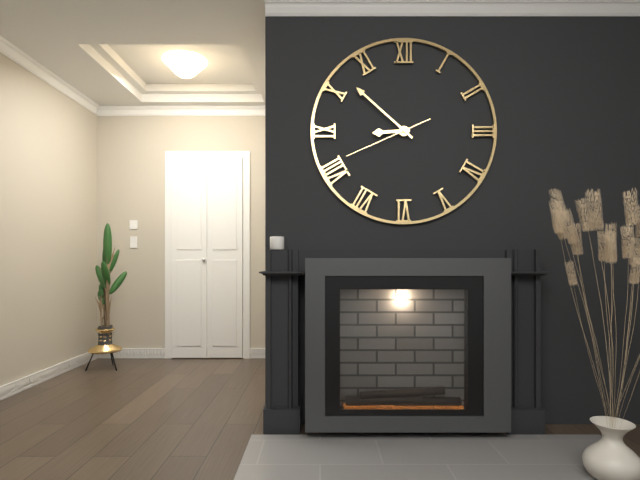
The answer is 8.52.41
